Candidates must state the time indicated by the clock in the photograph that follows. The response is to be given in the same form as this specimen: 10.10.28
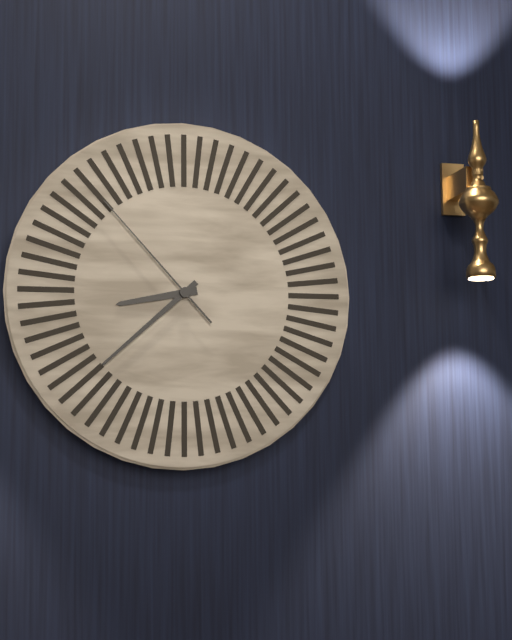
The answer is 8.38.53
